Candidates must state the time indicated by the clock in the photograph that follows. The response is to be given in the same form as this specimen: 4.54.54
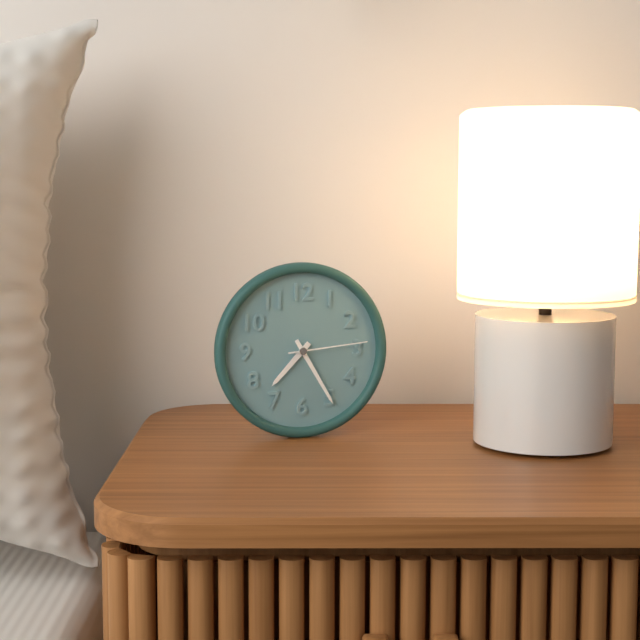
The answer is 7.25.14
